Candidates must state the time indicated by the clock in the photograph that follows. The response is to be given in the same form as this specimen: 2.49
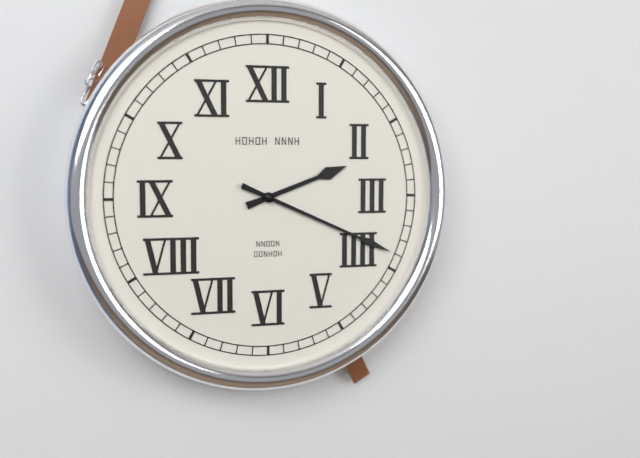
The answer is 2.19
